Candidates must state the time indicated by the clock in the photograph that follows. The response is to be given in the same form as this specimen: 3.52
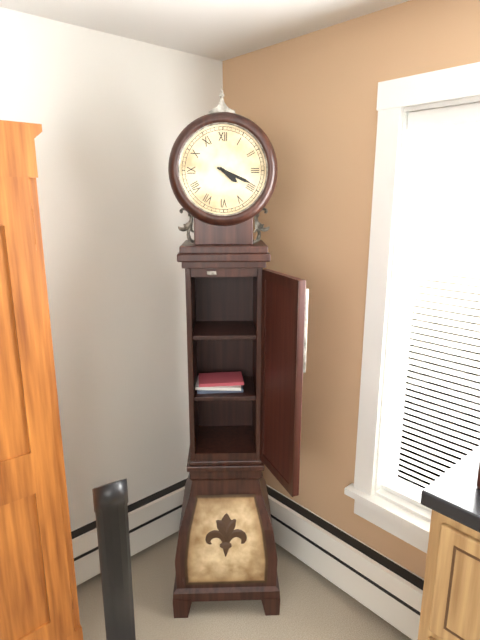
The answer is 4.19
